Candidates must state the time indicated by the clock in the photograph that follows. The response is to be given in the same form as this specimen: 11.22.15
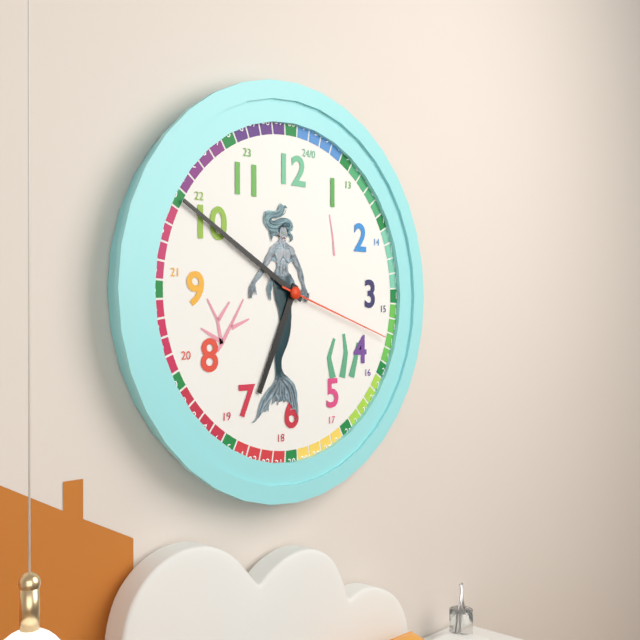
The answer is 6.50.18
